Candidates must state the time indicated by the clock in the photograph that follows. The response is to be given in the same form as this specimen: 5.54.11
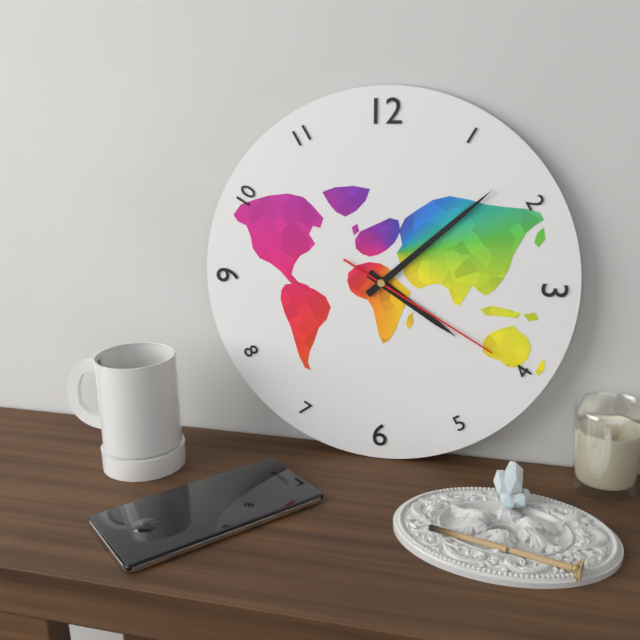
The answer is 4.08.20
